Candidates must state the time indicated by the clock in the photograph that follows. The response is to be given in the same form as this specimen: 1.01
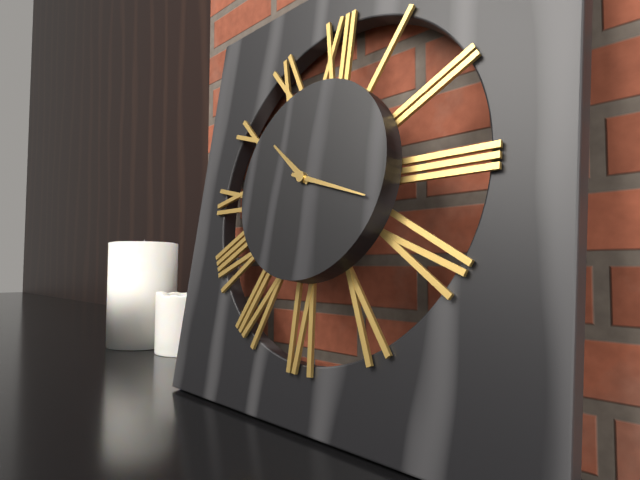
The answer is 10.18
